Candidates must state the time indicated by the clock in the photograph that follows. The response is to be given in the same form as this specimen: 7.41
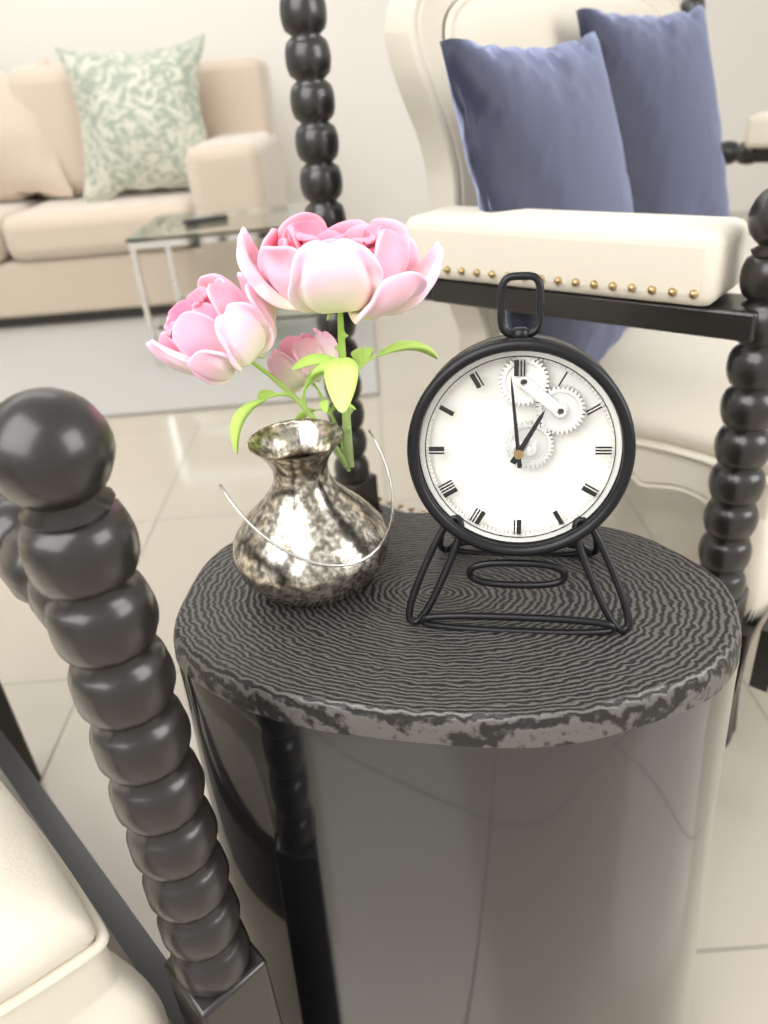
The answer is 12.59
